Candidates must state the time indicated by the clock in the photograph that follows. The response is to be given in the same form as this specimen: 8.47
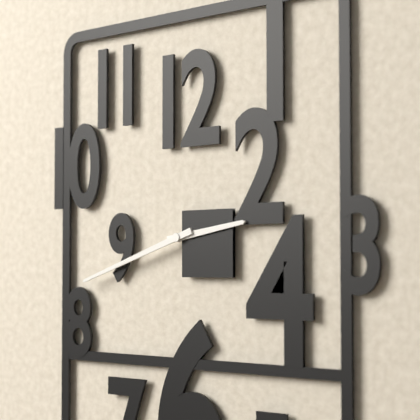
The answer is 2.42
